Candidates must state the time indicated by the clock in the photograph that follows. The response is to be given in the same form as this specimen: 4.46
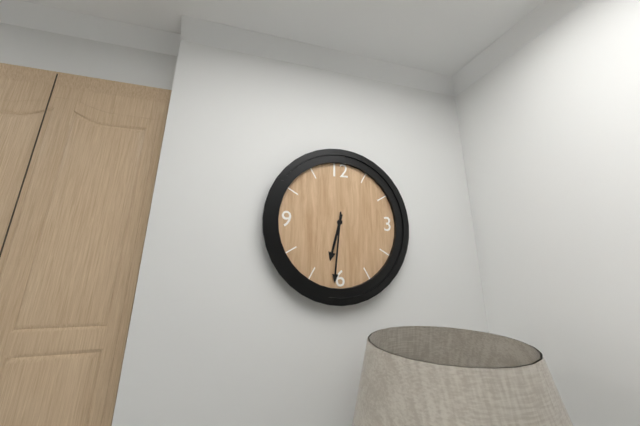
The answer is 6.31
